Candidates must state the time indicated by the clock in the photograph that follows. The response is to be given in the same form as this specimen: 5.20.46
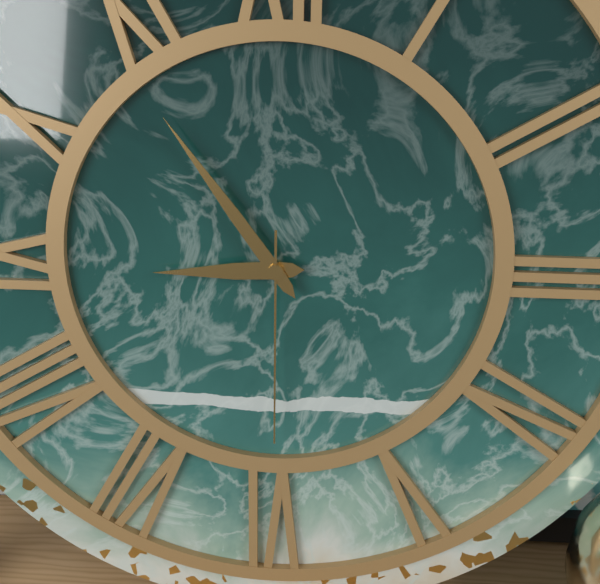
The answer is 8.54.30
